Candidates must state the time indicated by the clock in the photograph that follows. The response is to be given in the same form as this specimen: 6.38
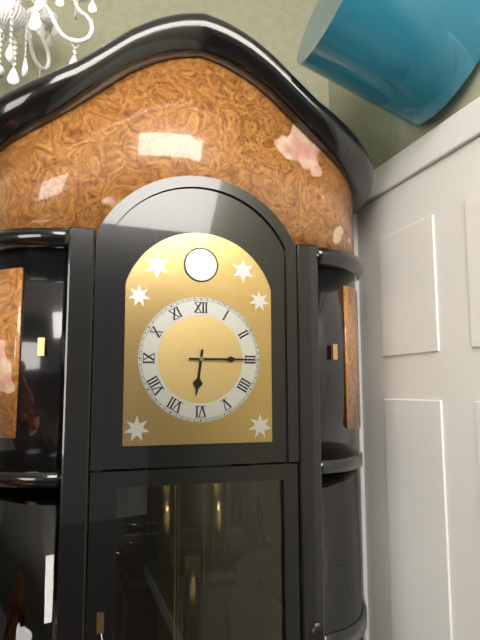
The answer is 6.15
